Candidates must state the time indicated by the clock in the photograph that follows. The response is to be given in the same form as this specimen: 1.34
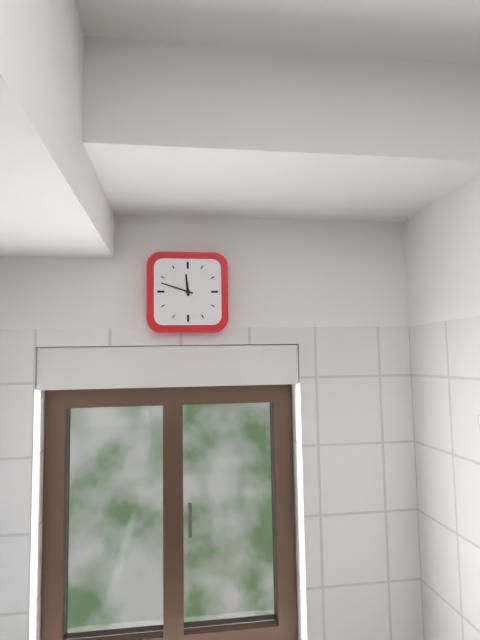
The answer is 11.48
